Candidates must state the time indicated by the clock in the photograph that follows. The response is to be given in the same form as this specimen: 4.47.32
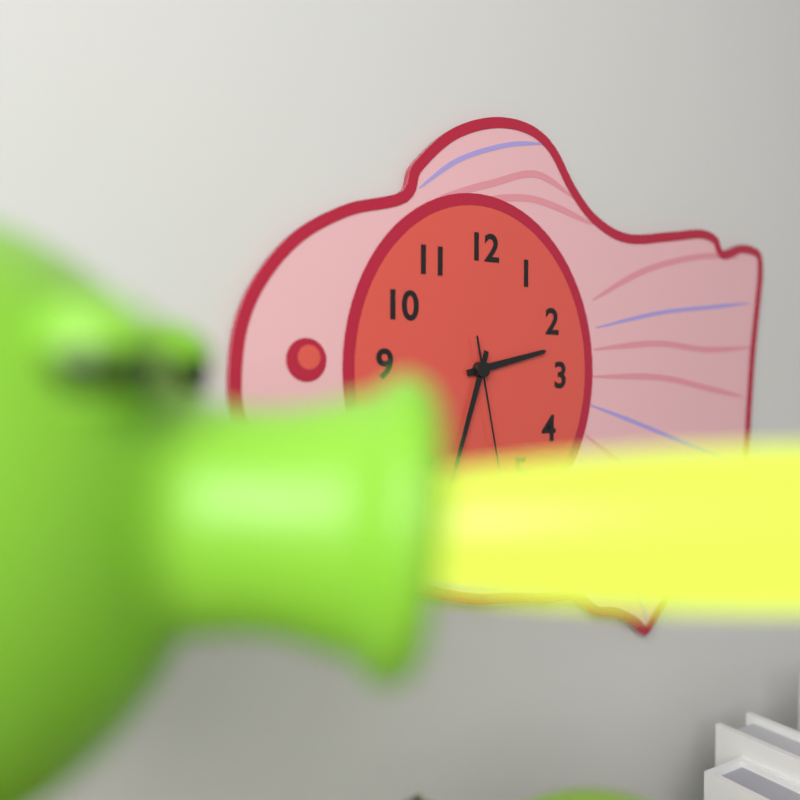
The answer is 2.33.28
